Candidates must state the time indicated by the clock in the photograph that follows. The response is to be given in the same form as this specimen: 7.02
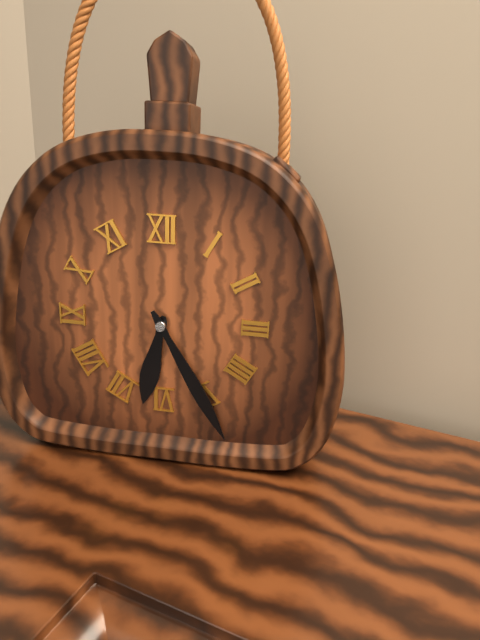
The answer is 6.25
